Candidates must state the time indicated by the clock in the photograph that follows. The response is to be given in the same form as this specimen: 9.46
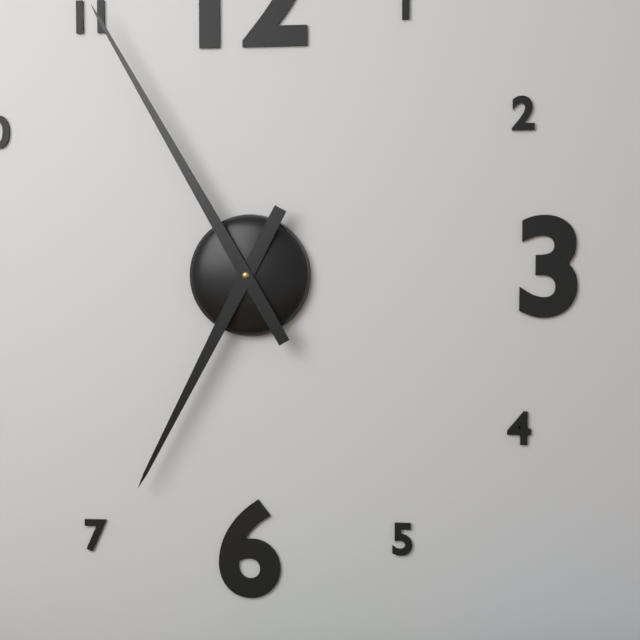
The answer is 6.55
